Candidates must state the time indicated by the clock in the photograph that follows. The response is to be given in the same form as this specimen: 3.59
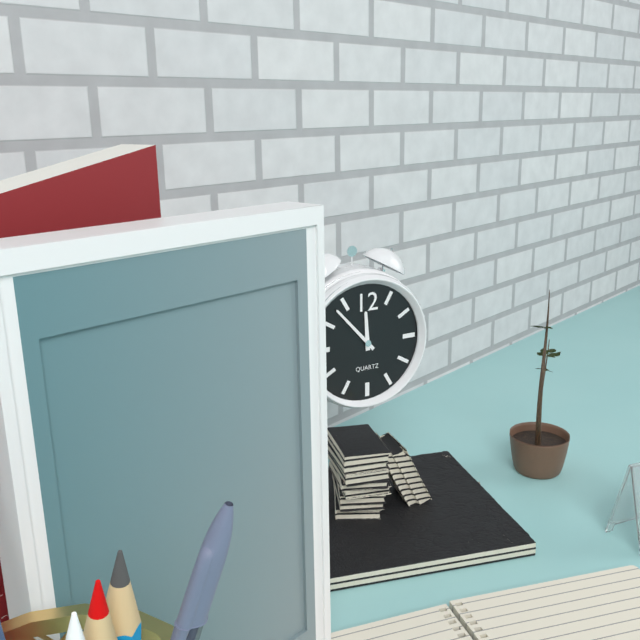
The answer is 11.53
